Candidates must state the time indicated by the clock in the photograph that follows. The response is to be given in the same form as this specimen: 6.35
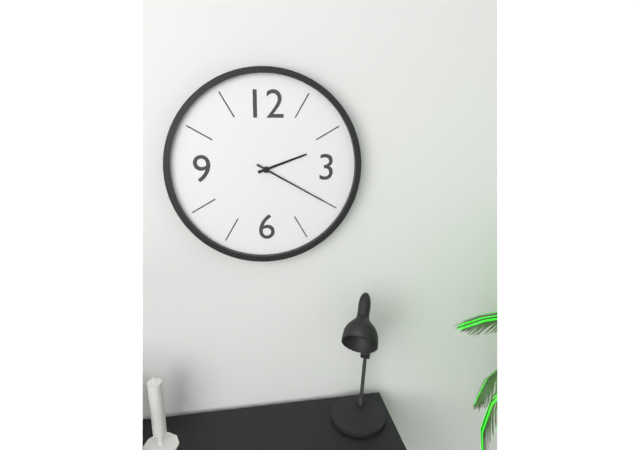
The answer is 2.20
